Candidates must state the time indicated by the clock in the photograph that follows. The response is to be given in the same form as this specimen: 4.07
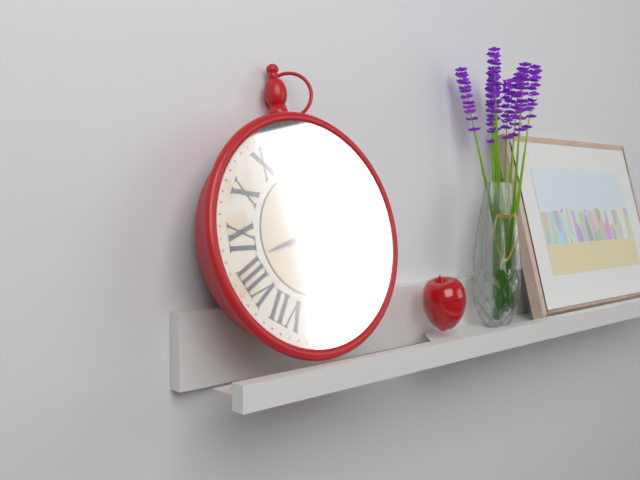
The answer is 8.31
